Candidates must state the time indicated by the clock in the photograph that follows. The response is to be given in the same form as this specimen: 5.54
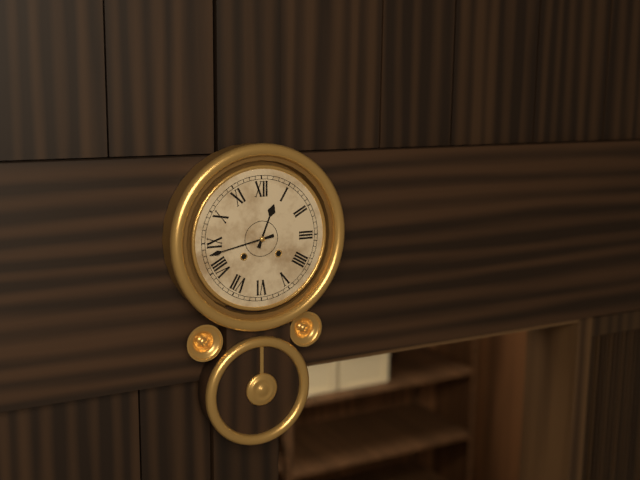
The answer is 12.43
